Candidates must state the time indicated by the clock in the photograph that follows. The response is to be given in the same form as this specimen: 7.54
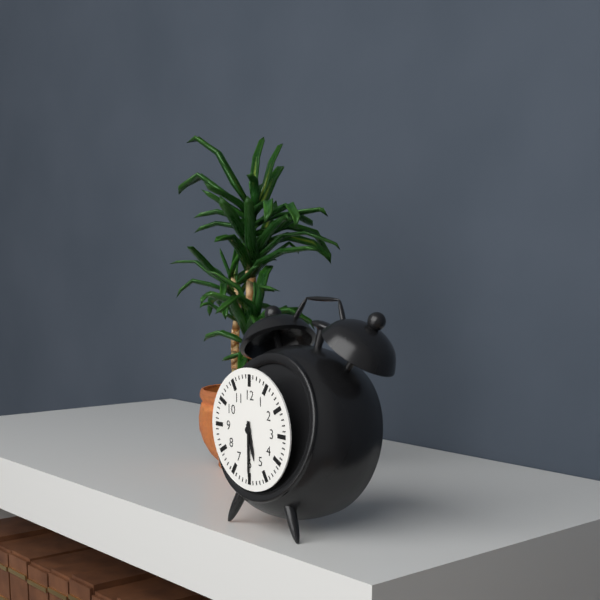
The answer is 5.30
